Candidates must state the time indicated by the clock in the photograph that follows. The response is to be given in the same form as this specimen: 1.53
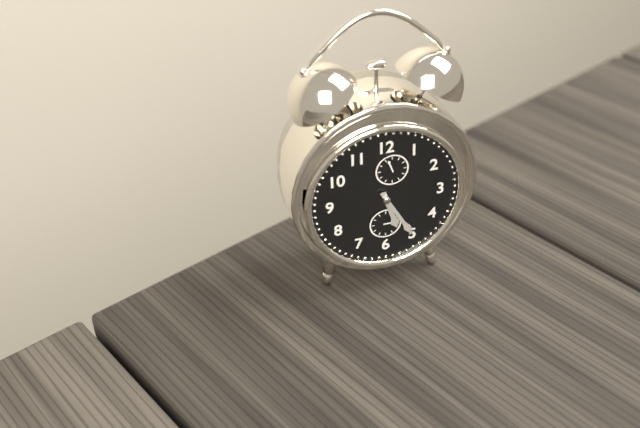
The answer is 5.25
